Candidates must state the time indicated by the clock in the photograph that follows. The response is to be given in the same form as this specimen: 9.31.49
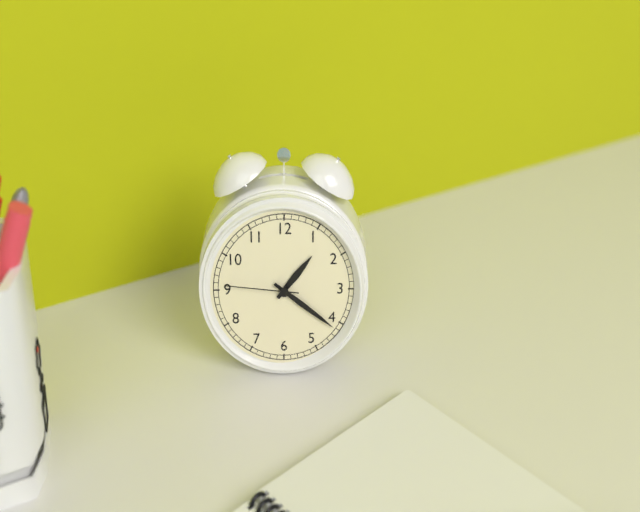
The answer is 1.21.46
